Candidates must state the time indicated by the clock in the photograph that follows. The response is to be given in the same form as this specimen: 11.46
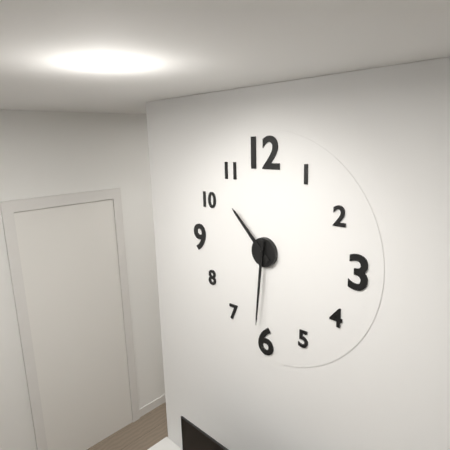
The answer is 10.31
